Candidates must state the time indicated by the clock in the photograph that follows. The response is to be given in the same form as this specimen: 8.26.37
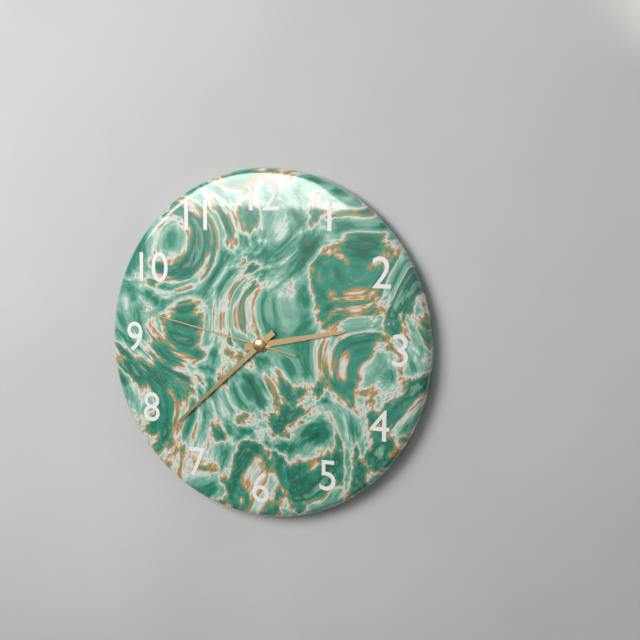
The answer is 2.38.47
